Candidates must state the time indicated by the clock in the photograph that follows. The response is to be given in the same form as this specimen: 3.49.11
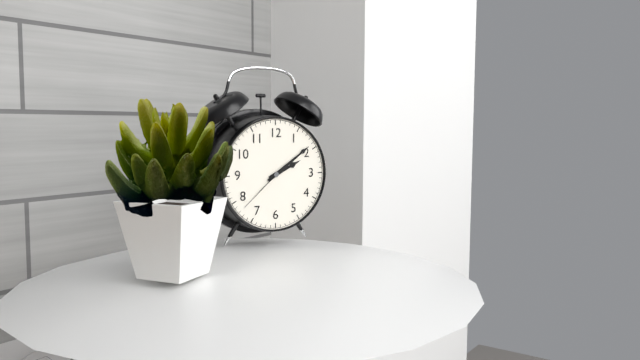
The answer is 2.09.38
